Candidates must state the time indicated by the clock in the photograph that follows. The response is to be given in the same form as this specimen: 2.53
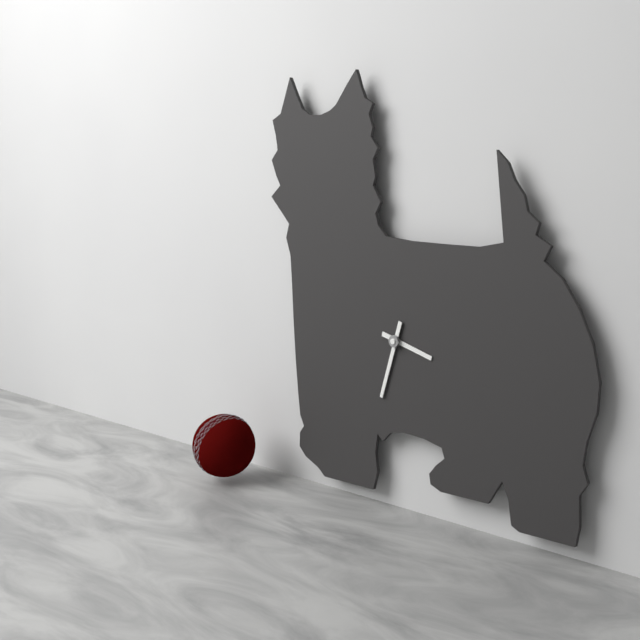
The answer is 3.33
